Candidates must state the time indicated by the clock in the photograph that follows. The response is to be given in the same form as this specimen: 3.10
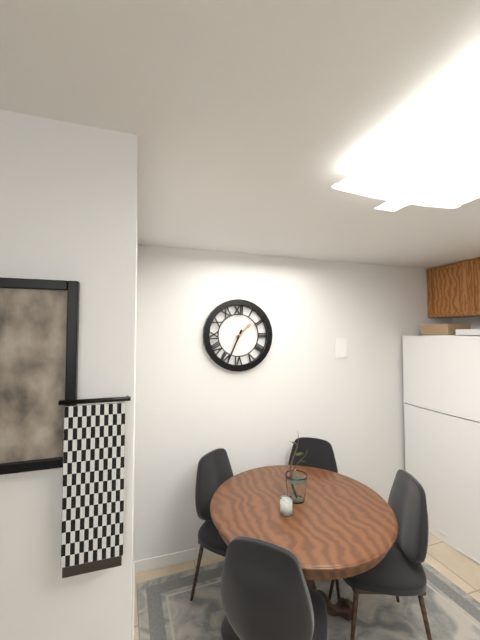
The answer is 1.34
